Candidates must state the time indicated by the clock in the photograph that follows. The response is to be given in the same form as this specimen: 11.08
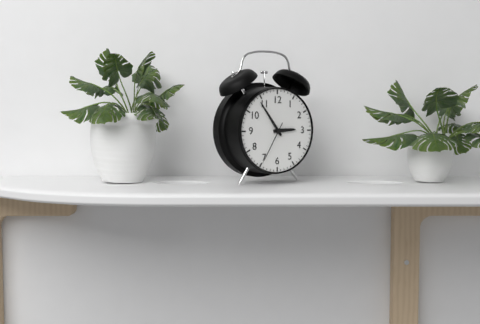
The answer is 2.54
